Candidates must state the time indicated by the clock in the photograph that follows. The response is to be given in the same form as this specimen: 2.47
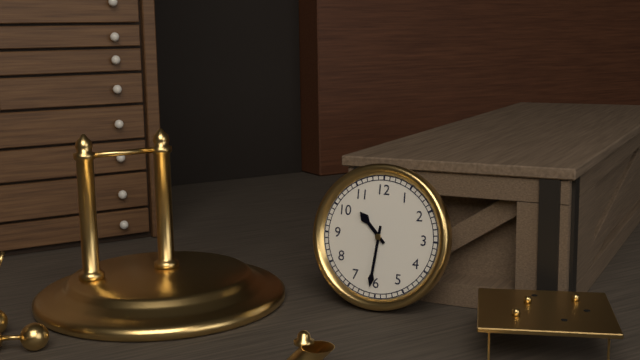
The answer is 10.31
